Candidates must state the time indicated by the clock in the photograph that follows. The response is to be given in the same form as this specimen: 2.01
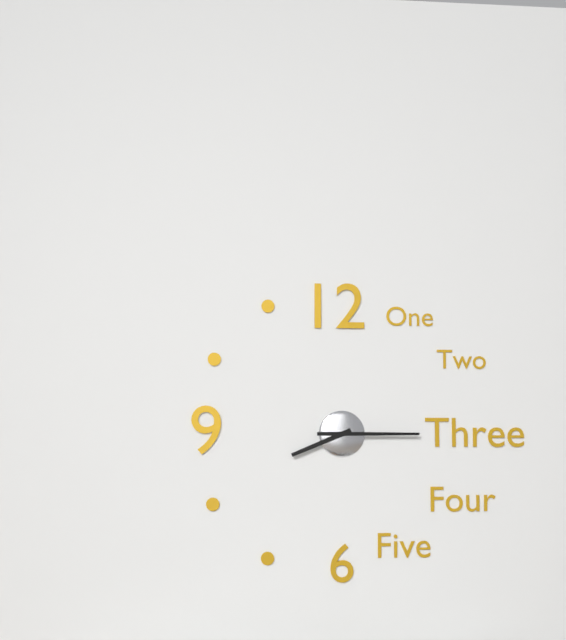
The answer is 8.15
